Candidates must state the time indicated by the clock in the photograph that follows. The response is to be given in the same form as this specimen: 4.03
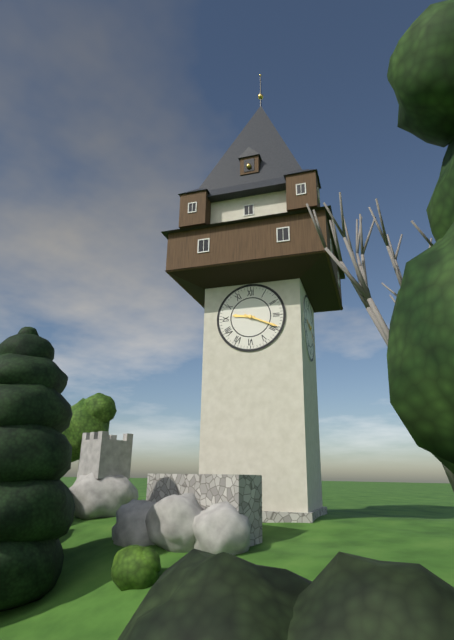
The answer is 9.19
